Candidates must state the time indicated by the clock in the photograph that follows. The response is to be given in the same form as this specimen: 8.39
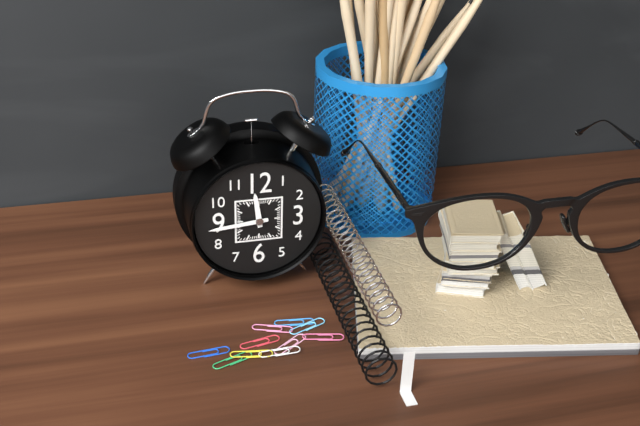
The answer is 11.44
